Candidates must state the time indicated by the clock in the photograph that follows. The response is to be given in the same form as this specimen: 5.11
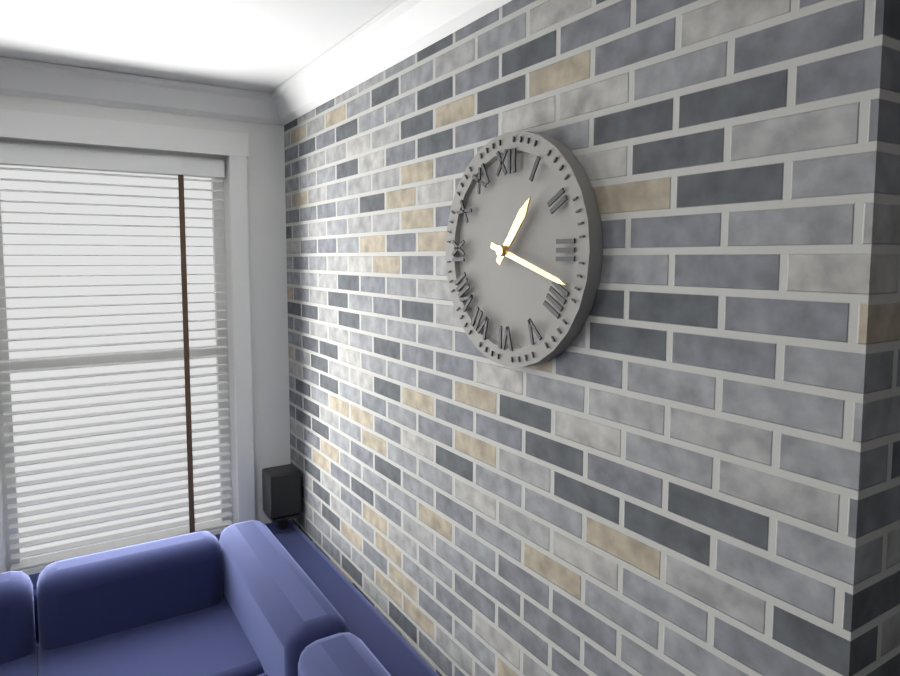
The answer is 1.18
